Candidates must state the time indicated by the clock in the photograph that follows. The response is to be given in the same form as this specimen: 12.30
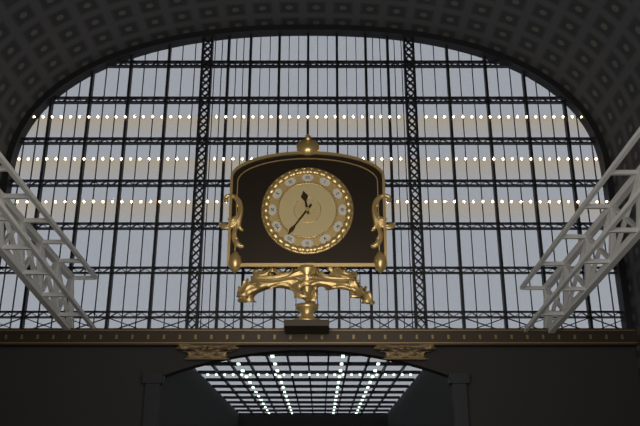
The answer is 11.36
